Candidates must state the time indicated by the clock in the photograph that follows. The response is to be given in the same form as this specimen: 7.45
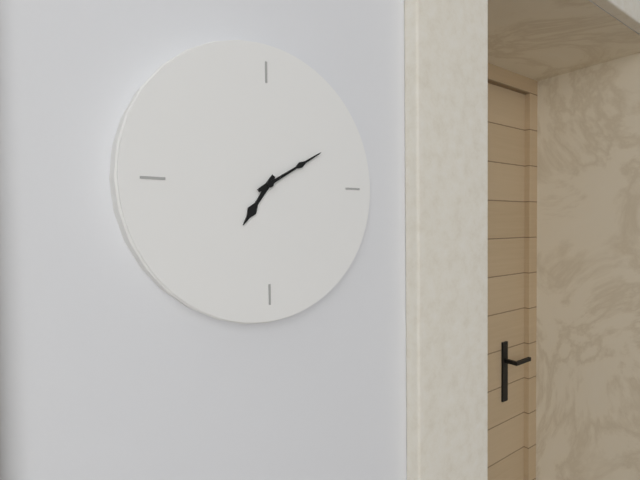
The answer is 7.10
